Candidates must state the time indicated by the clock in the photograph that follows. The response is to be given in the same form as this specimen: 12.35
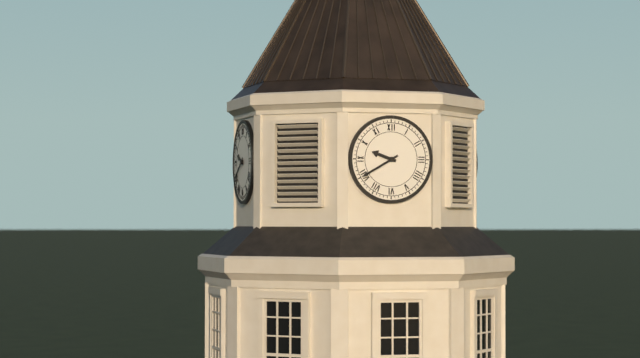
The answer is 9.40
